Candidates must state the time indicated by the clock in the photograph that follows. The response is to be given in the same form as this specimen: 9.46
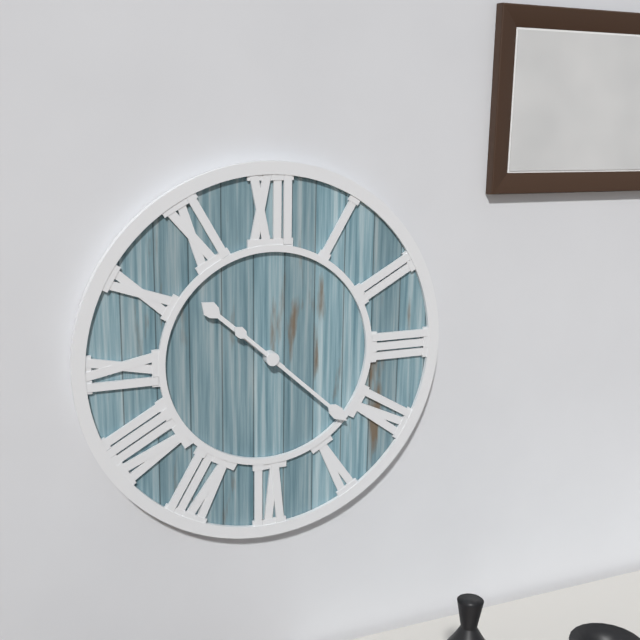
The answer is 10.22
